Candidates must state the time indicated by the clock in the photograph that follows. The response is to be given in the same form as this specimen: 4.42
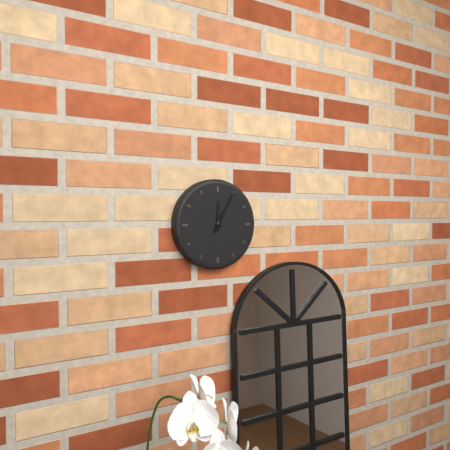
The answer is 12.05
